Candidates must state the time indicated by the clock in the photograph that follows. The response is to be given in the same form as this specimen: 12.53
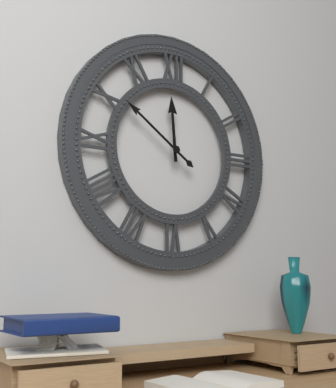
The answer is 11.51
